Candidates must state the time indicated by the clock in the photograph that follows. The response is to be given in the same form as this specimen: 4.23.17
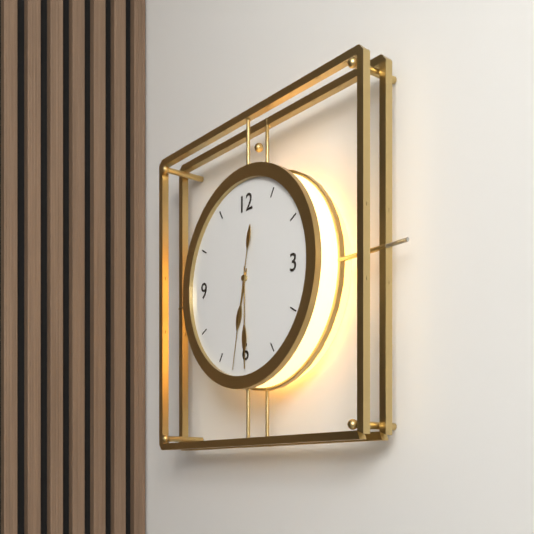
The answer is 6.30.32
